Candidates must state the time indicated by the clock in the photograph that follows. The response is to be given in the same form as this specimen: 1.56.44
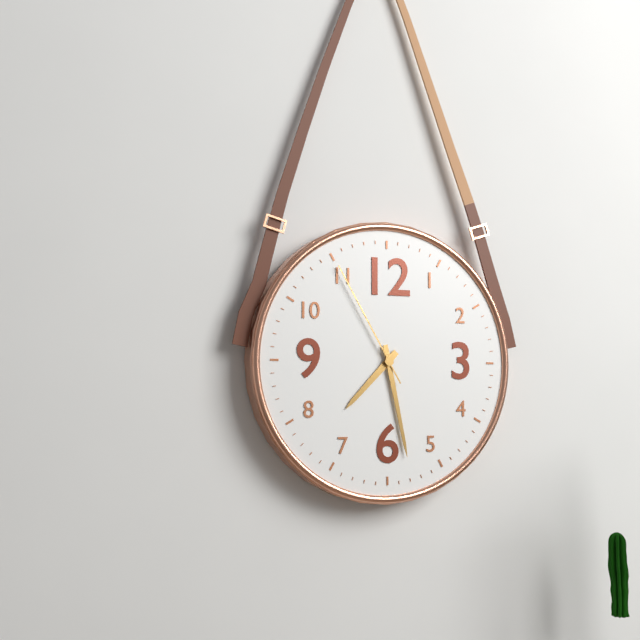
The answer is 7.28.55
